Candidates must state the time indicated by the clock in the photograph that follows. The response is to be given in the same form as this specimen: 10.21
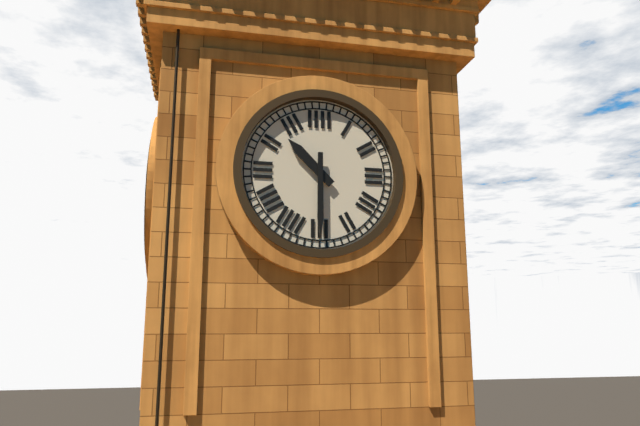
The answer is 10.30
